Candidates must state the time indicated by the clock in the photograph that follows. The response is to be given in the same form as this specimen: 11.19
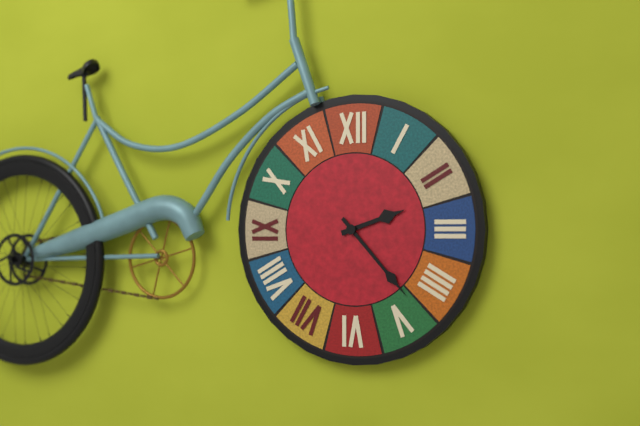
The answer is 2.23
